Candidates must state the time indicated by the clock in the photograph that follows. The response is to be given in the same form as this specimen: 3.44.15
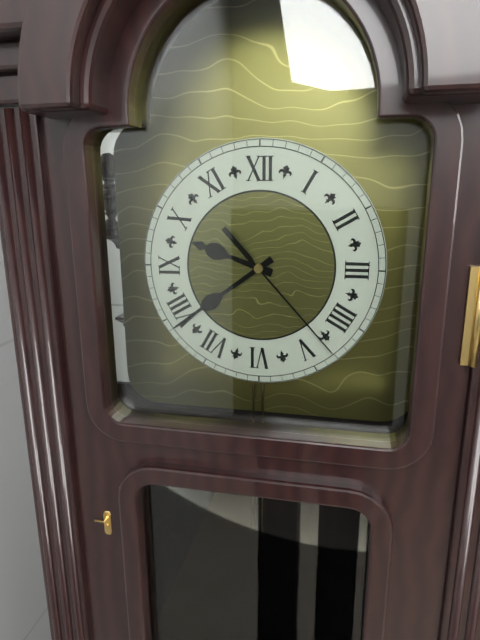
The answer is 9.39.23
